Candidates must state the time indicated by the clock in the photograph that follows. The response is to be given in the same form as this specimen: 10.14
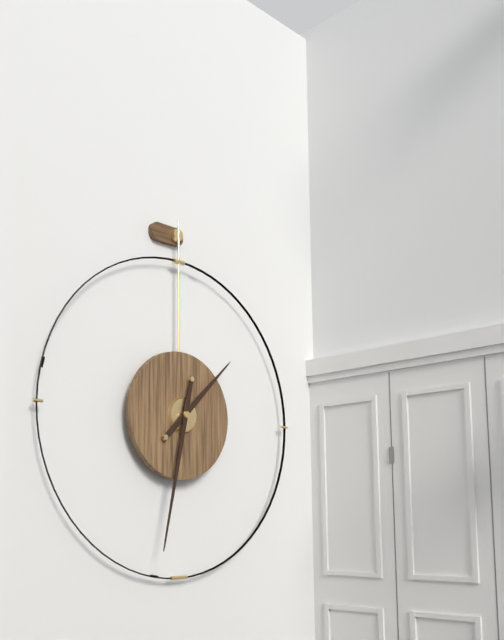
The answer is 1.32
